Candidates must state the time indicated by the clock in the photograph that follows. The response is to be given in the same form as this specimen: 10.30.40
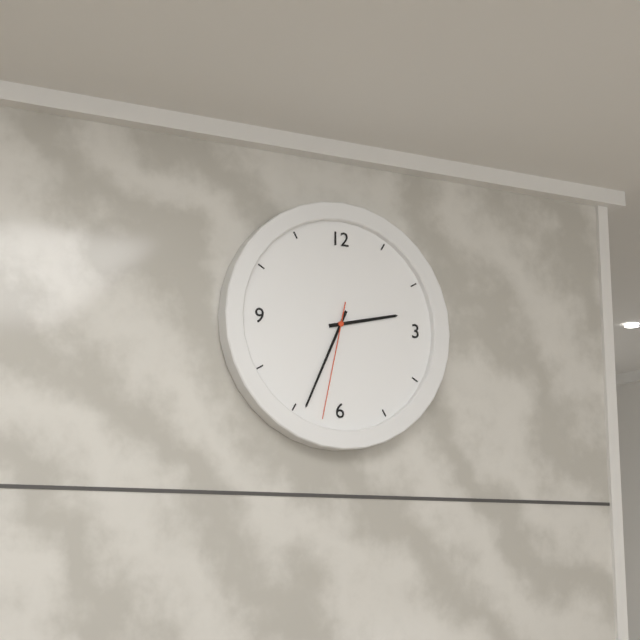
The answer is 2.34.32
